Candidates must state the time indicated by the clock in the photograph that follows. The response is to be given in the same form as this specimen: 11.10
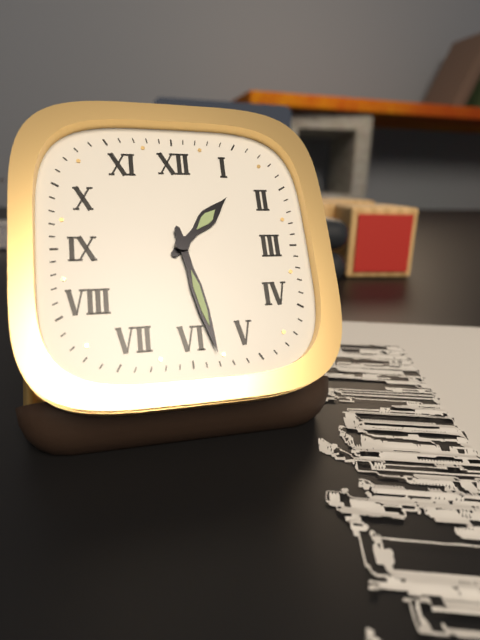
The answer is 1.28
